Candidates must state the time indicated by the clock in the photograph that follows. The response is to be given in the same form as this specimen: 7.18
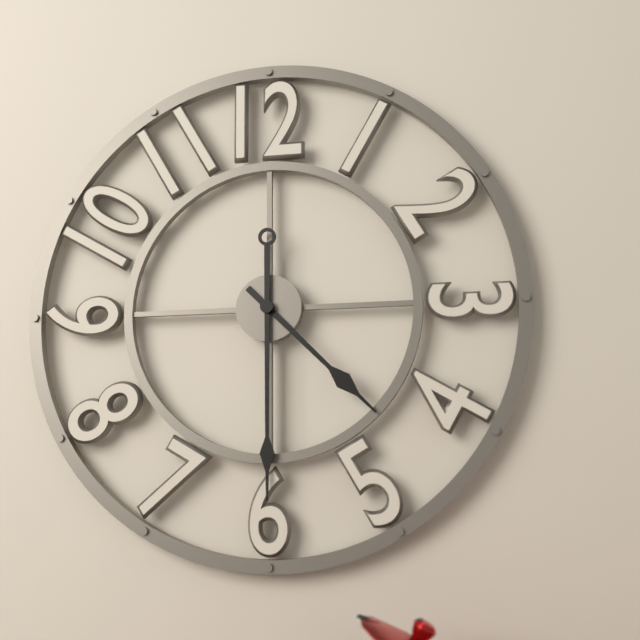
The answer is 4.30
